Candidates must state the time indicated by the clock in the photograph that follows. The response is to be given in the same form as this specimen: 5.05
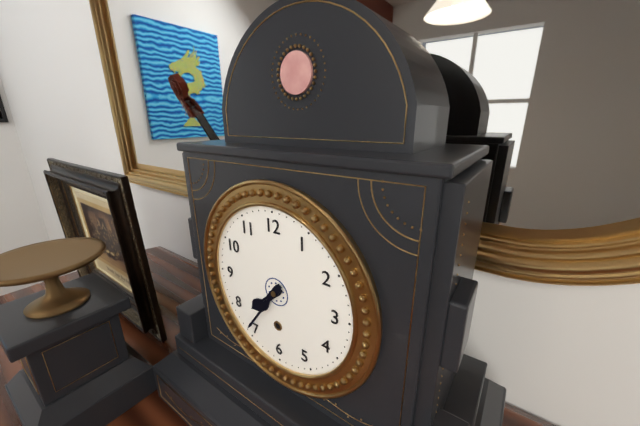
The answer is 7.36
